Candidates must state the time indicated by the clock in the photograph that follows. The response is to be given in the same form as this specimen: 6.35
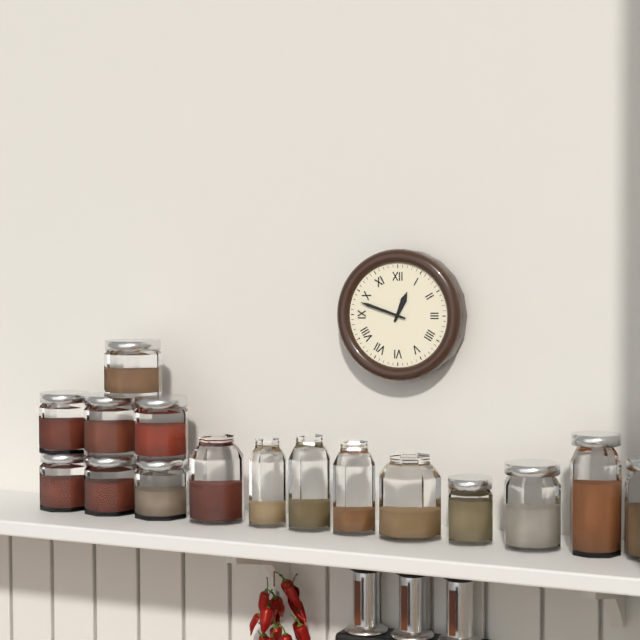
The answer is 12.48
